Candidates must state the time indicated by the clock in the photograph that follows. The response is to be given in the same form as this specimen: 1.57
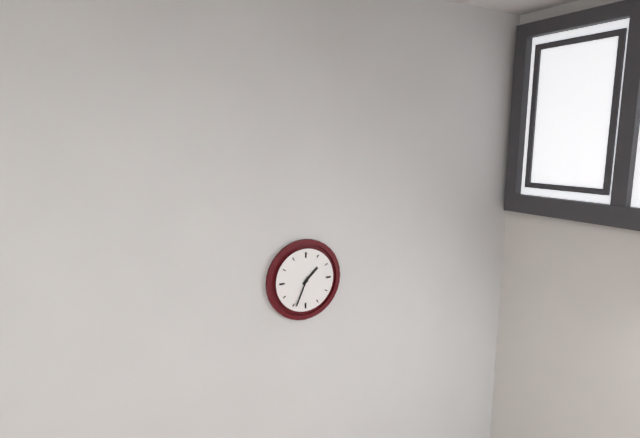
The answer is 1.34
